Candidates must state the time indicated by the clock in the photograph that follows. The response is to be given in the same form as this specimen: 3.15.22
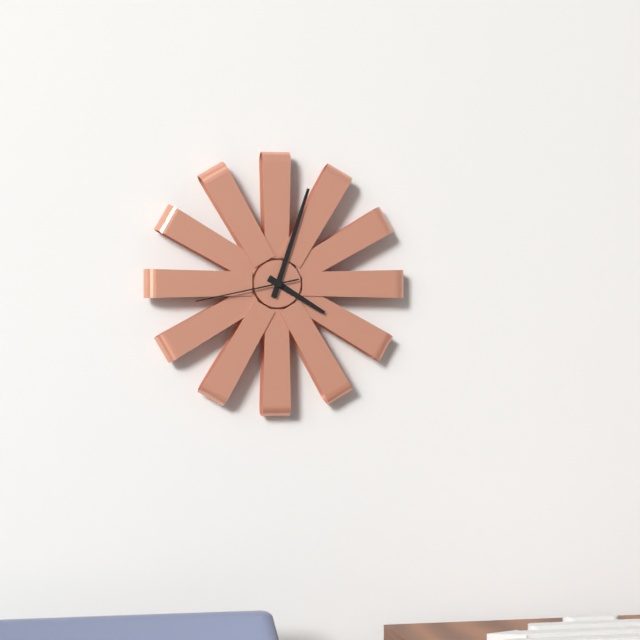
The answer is 4.03.43
